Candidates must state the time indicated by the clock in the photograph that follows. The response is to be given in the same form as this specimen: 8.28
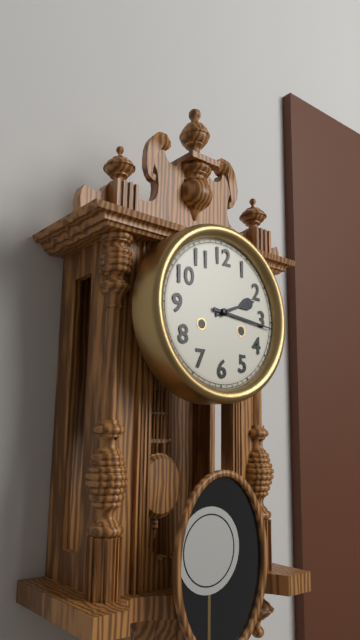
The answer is 2.16
